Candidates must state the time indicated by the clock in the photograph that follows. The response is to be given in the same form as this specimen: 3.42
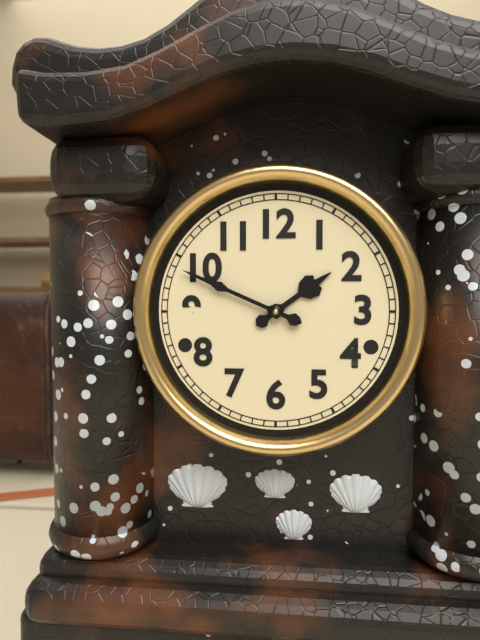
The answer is 1.49
